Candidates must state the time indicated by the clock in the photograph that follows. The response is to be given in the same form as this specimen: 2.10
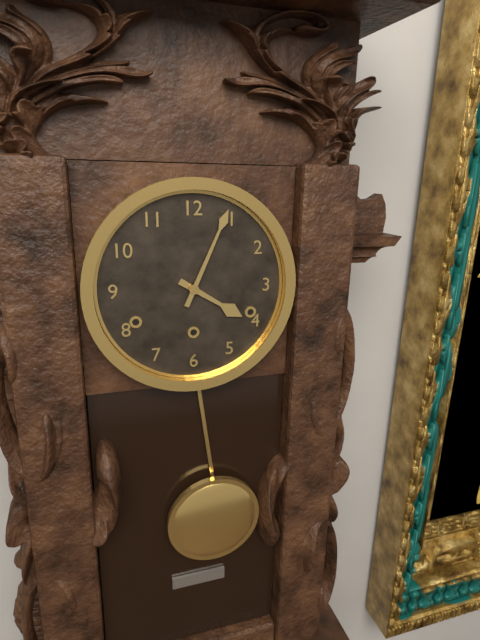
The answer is 4.04
